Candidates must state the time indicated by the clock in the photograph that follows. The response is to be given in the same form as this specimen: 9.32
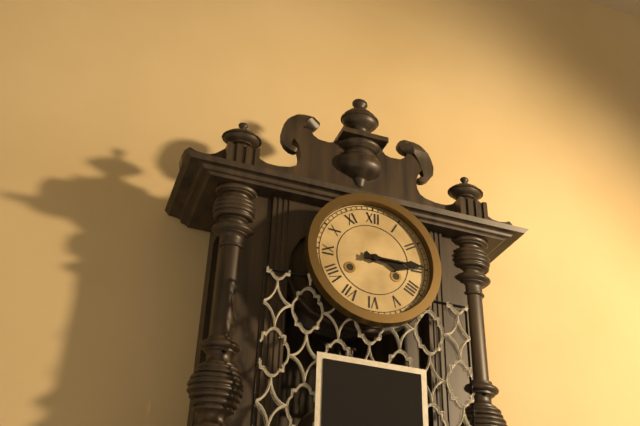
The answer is 3.15
